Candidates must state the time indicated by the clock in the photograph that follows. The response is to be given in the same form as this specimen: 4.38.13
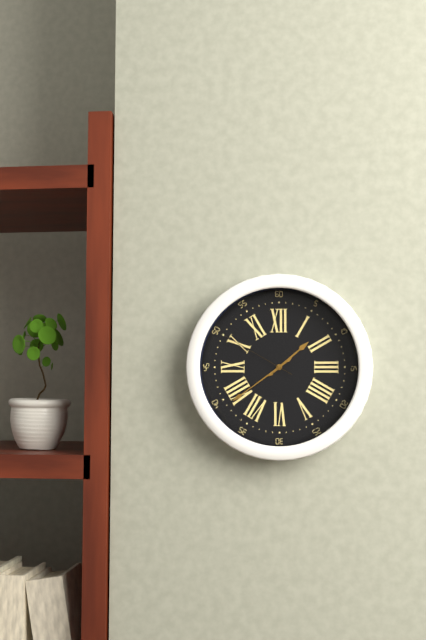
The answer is 1.39.50
